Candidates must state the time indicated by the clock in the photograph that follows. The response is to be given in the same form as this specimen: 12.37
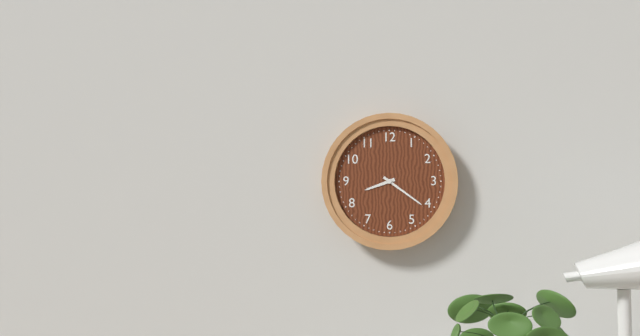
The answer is 8.21
